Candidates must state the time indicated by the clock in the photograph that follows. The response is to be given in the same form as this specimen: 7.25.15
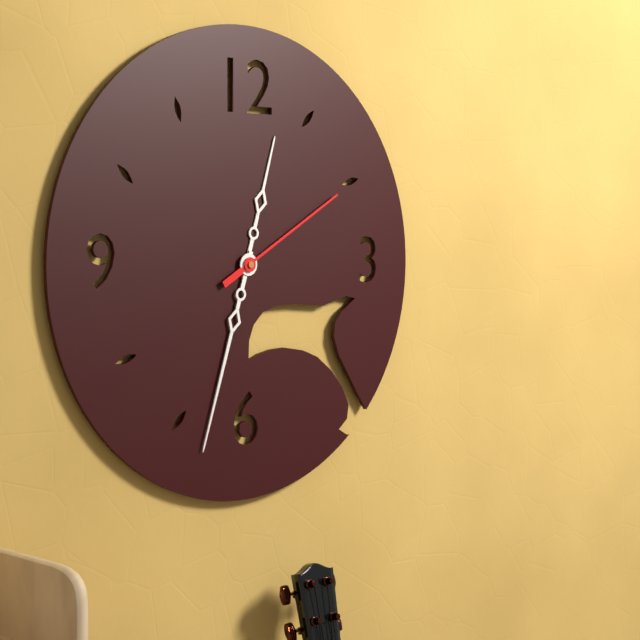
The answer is 12.33.10
